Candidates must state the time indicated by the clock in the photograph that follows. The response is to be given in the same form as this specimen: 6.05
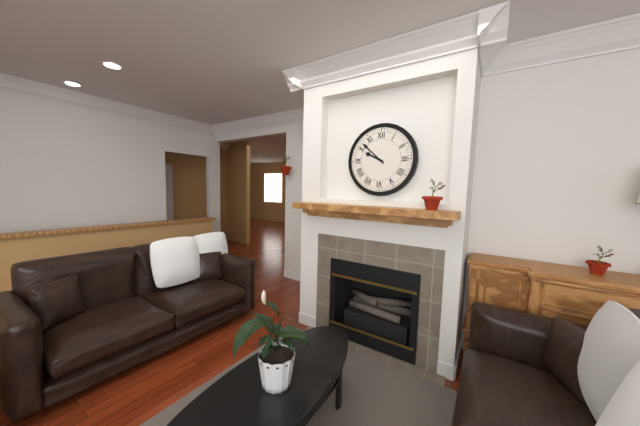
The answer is 9.52
